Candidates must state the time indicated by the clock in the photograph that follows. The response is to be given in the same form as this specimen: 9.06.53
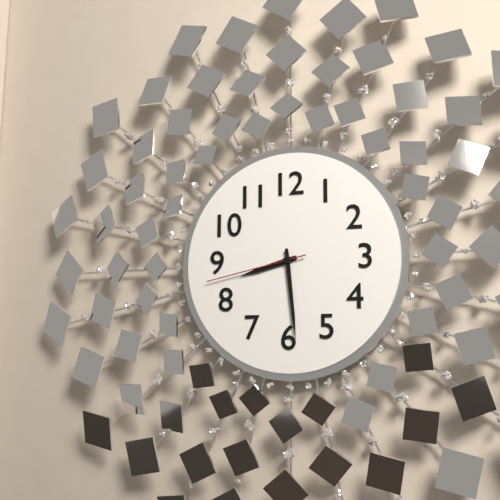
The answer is 8.29.43
